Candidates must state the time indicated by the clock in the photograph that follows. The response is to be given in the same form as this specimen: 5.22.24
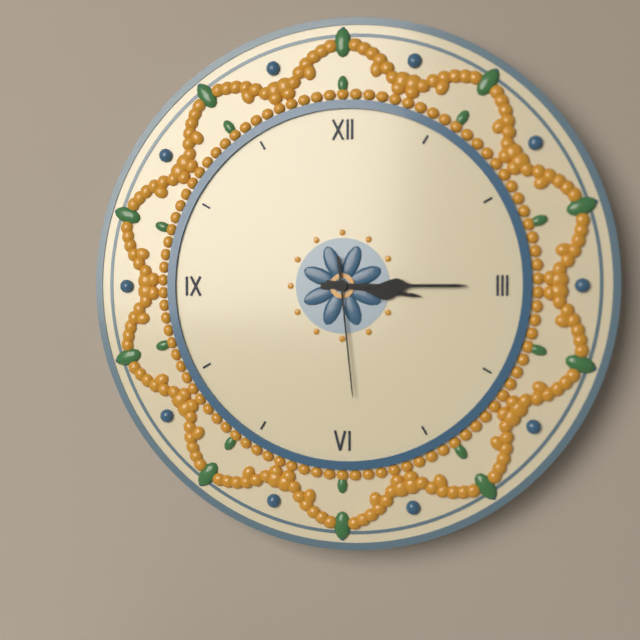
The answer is 3.15.29
